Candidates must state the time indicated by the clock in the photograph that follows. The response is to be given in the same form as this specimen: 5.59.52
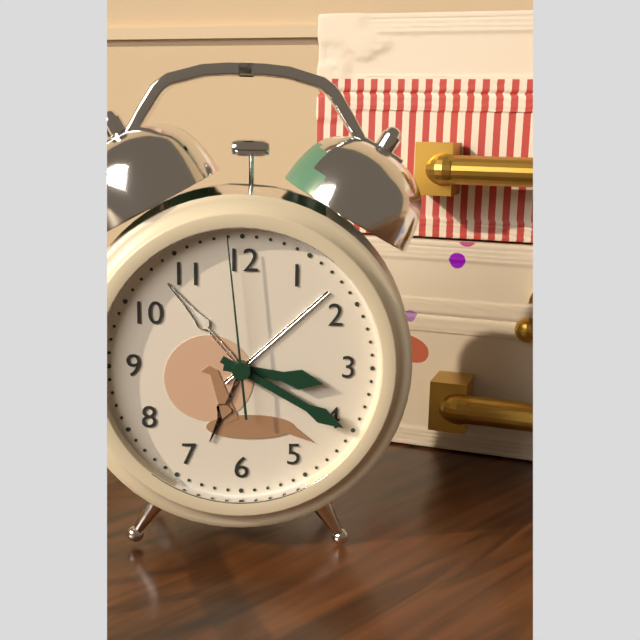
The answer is 3.20.59
